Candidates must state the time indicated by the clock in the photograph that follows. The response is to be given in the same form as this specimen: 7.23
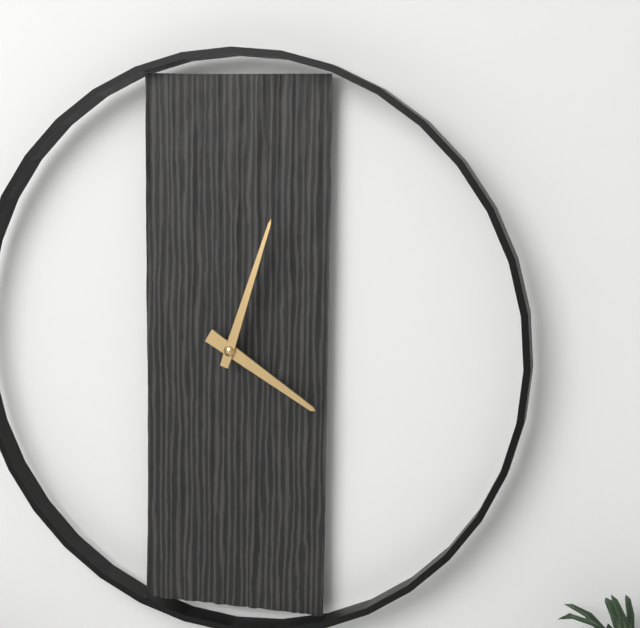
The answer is 4.03
